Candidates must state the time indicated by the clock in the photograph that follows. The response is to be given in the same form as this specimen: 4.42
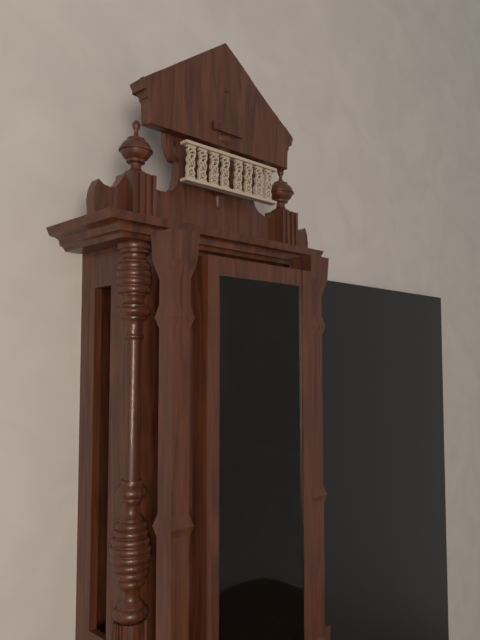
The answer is 8.44
